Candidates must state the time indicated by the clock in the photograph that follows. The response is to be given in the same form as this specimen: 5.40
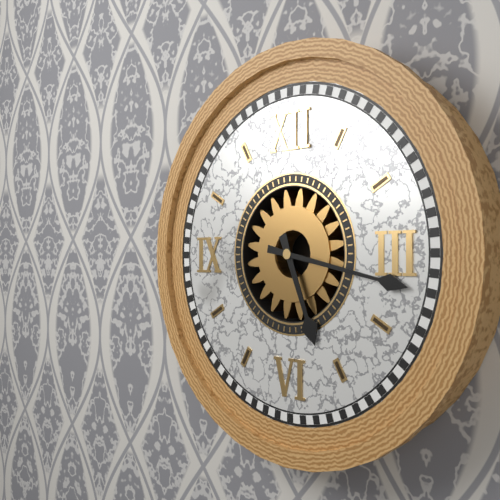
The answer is 5.17
